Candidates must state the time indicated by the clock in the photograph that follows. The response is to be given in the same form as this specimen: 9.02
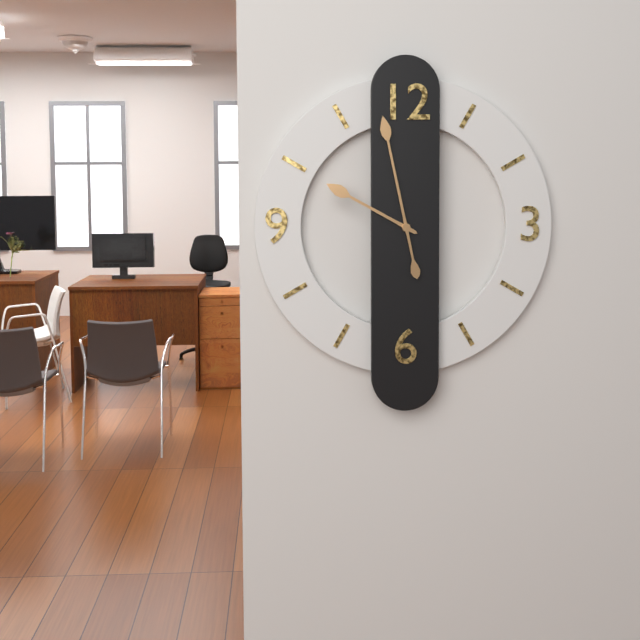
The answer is 9.58
